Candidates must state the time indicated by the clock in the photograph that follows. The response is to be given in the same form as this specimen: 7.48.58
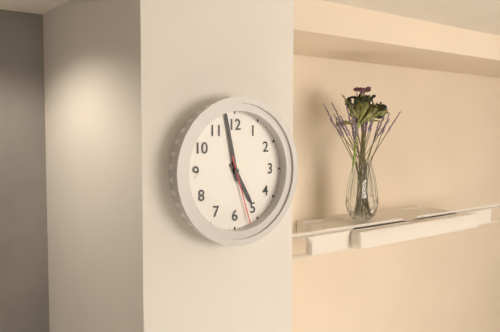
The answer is 4.58.27
